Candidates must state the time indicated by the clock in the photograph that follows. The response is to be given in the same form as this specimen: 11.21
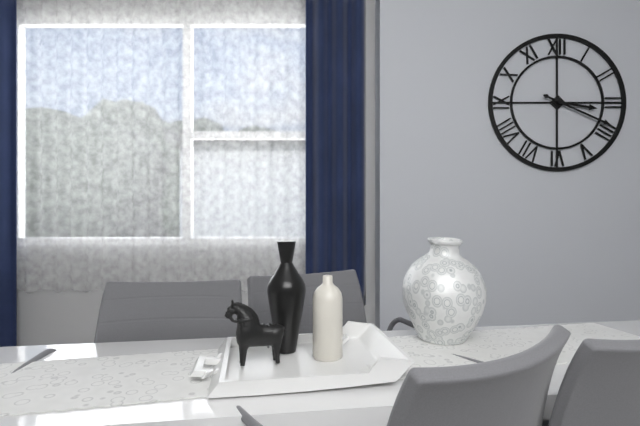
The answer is 3.19
